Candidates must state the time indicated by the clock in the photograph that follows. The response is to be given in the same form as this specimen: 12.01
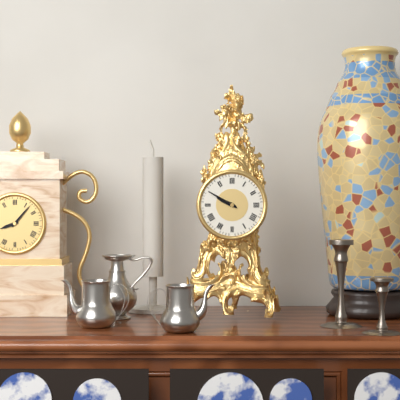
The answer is 9.50
